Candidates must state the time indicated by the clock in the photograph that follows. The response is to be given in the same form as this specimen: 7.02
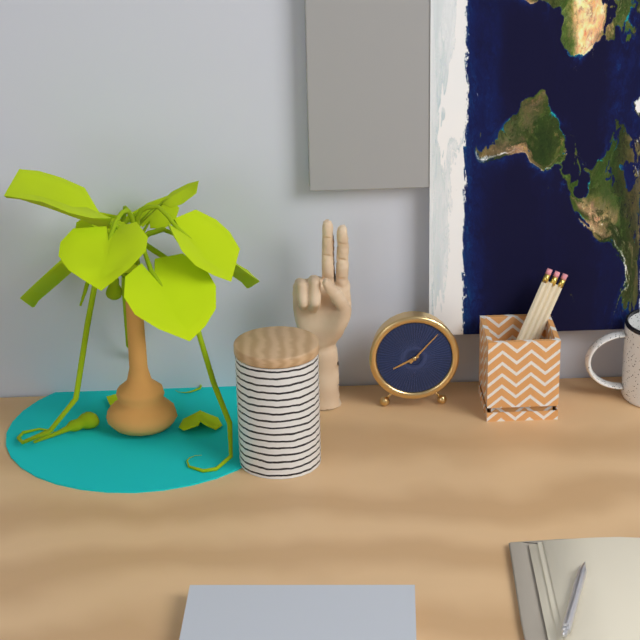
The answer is 8.07
